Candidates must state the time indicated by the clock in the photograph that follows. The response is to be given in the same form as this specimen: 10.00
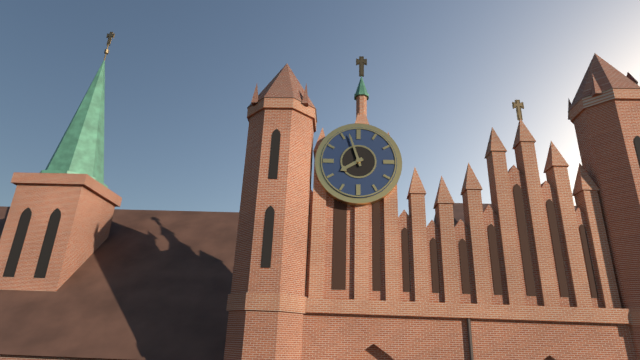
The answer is 7.57
